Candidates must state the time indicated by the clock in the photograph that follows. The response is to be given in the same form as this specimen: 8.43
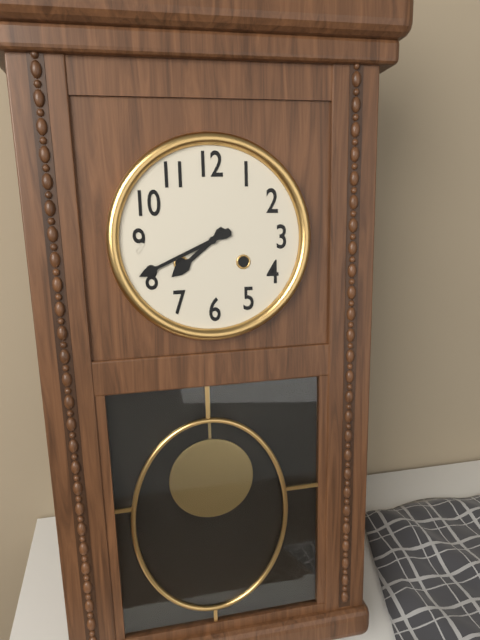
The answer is 7.41
